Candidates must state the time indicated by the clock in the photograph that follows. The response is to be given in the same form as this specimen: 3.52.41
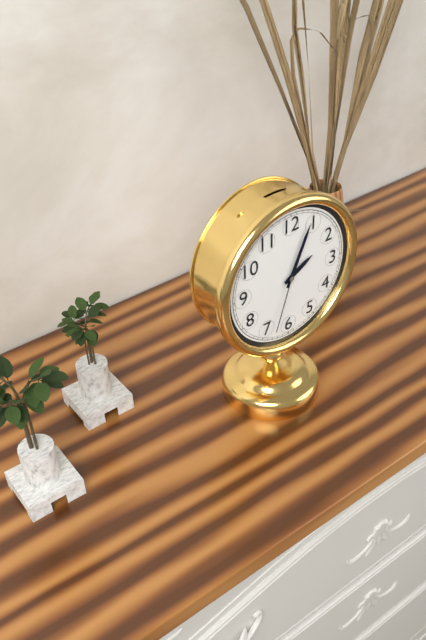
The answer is 2.04.33
